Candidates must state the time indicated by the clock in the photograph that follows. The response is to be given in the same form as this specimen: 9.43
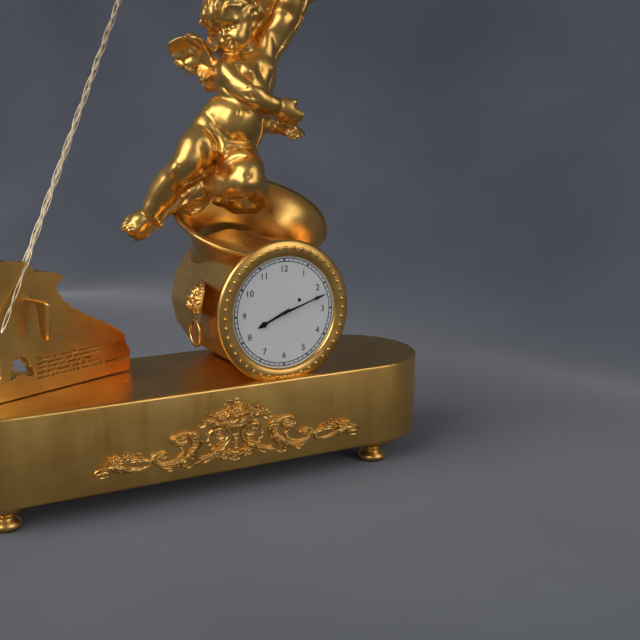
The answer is 8.12
